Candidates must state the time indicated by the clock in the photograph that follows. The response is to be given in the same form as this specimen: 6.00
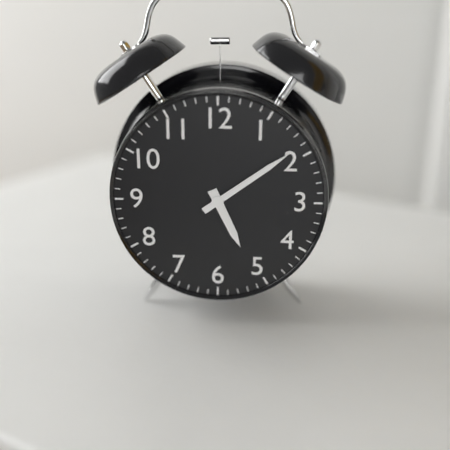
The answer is 5.09
